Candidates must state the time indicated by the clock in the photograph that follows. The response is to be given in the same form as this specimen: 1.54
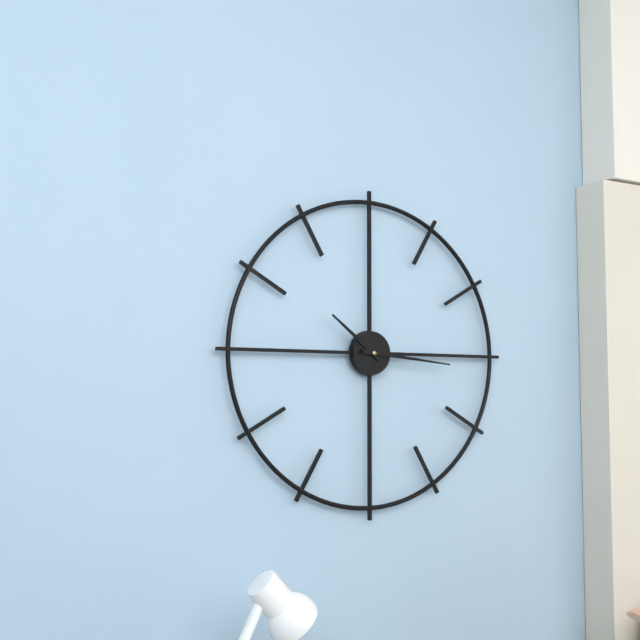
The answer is 10.16
